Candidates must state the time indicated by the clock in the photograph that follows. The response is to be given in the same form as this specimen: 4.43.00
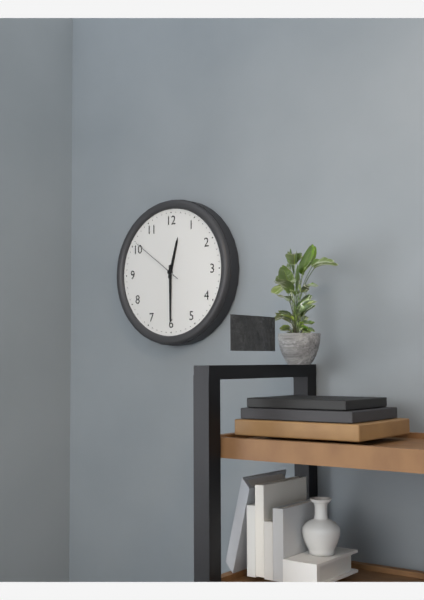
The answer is 12.30.51
